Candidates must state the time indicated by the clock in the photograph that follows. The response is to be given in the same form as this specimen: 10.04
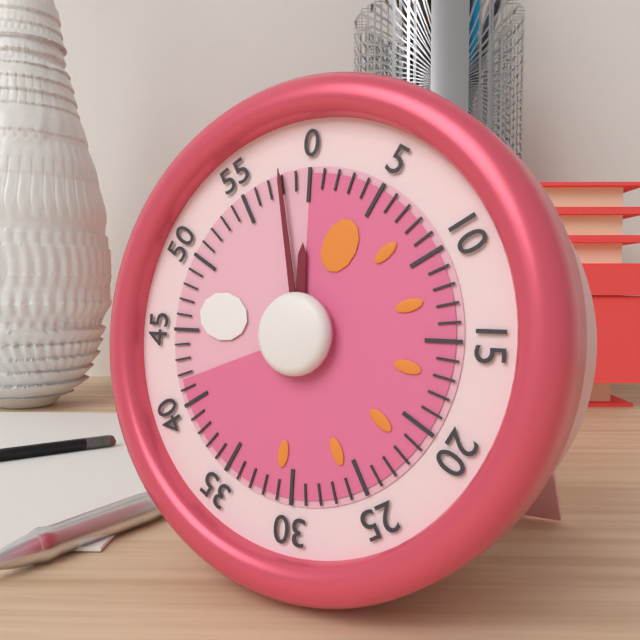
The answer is 11.58
